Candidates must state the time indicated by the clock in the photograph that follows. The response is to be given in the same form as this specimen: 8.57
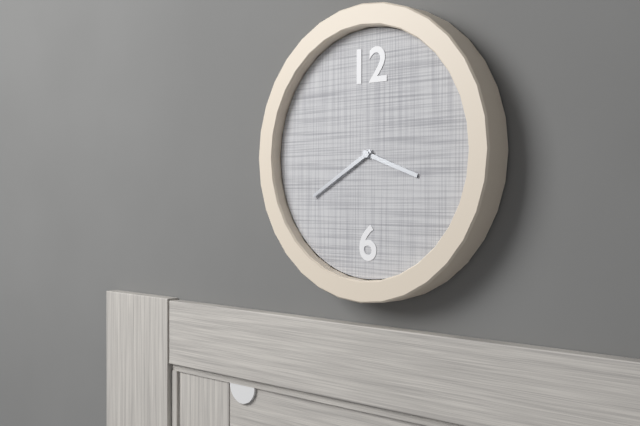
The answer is 3.40
